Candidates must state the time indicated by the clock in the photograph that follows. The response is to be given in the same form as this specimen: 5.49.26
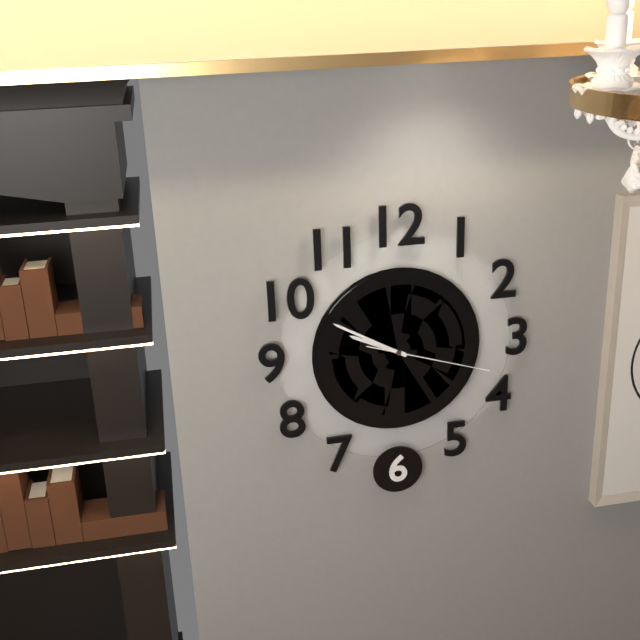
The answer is 9.50.18
